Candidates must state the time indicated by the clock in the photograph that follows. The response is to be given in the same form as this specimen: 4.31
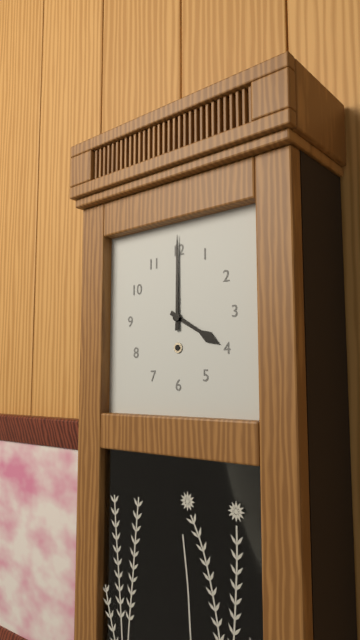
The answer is 4.00
